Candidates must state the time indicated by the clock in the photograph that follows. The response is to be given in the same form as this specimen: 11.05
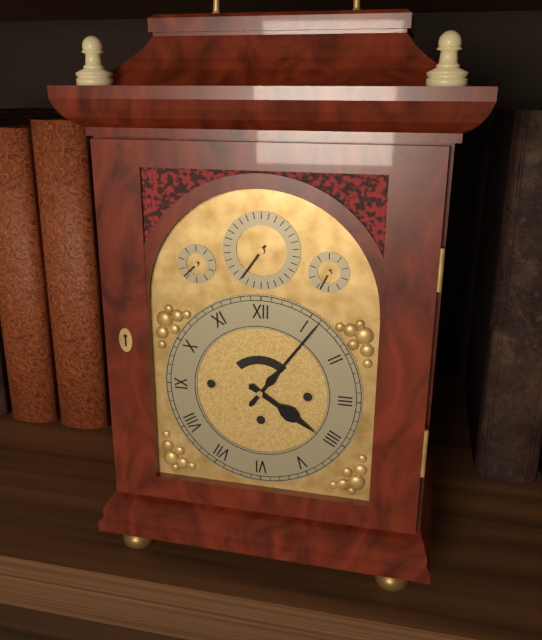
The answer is 4.06
